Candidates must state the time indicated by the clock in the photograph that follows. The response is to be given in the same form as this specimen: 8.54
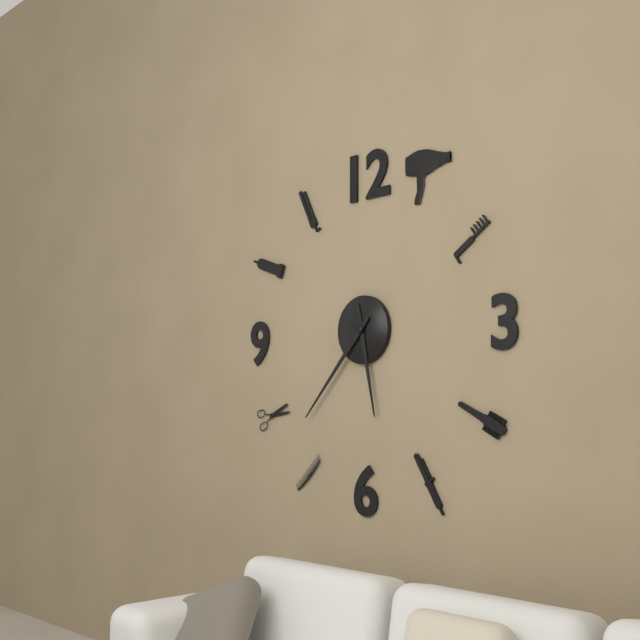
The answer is 5.37
